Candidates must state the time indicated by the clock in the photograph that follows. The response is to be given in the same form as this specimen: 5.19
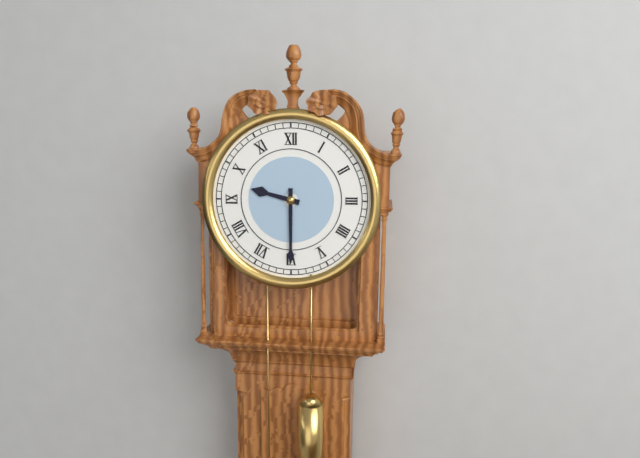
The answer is 9.30
